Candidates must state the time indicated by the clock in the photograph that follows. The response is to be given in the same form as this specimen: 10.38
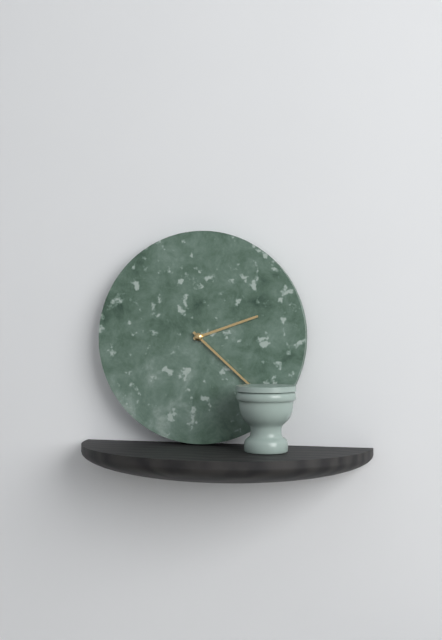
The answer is 2.22
